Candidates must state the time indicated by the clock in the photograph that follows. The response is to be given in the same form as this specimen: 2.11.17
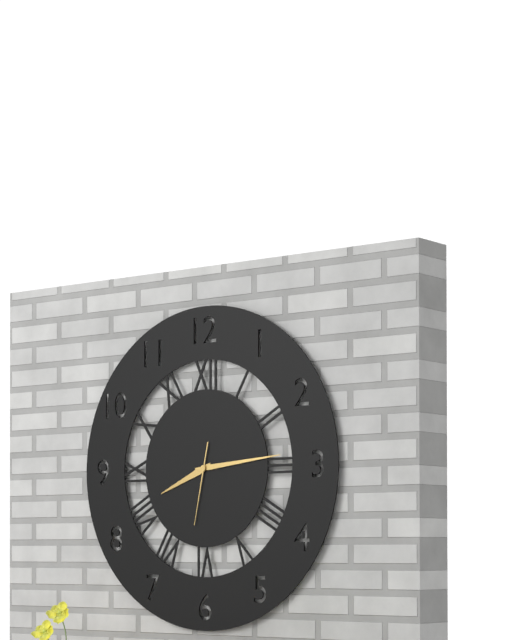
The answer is 8.14.32
